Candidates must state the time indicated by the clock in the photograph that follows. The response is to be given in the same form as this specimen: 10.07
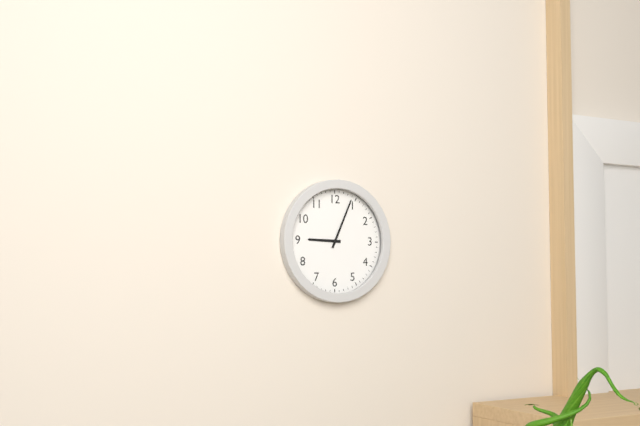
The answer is 9.04
